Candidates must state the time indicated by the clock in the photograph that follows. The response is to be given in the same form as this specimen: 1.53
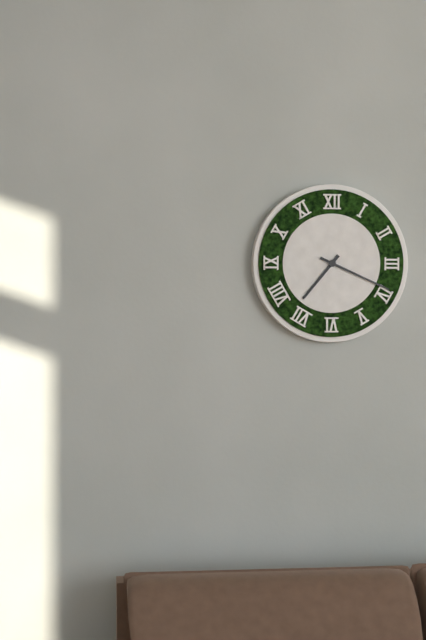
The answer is 7.19
